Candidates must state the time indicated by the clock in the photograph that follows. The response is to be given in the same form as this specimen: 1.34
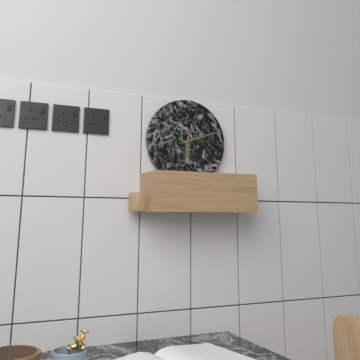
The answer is 6.12
